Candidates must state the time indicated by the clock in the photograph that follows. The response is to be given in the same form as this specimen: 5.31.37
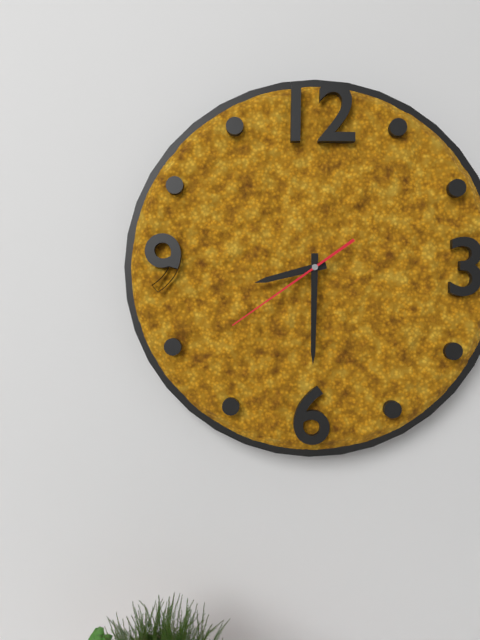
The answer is 8.30.39
